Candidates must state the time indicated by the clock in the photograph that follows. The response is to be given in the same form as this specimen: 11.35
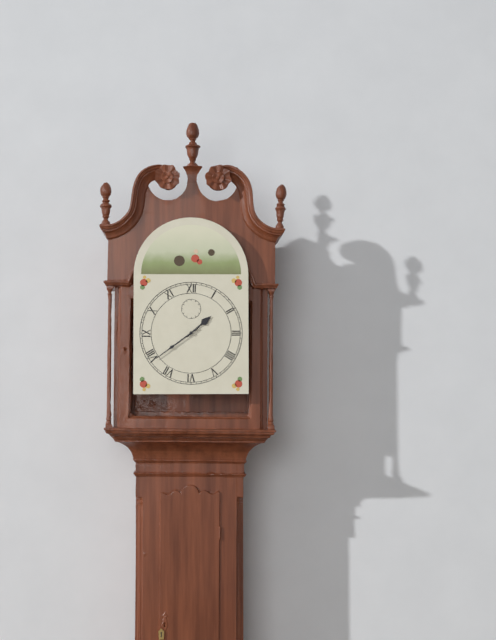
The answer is 1.39
